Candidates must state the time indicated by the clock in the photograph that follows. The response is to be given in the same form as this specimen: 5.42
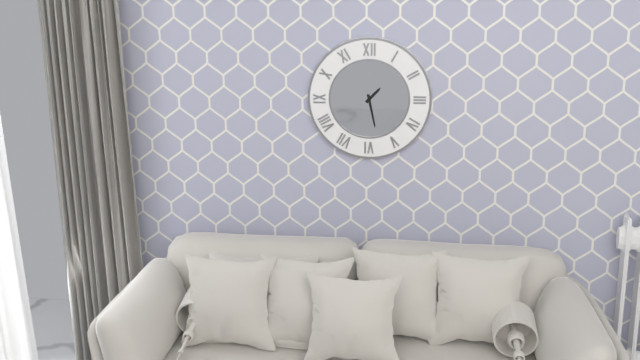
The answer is 1.28
